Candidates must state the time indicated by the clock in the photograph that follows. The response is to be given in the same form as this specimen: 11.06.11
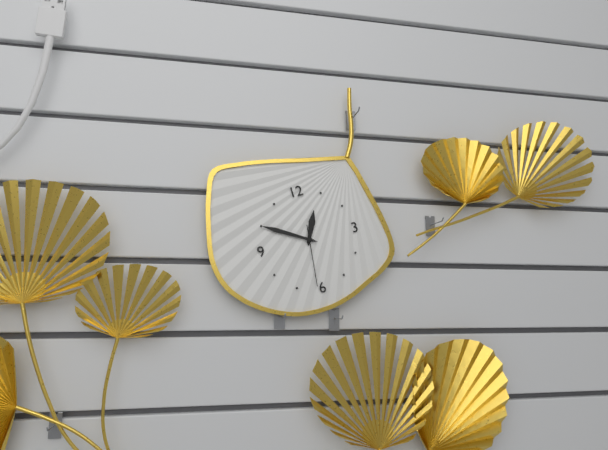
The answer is 12.50.31
